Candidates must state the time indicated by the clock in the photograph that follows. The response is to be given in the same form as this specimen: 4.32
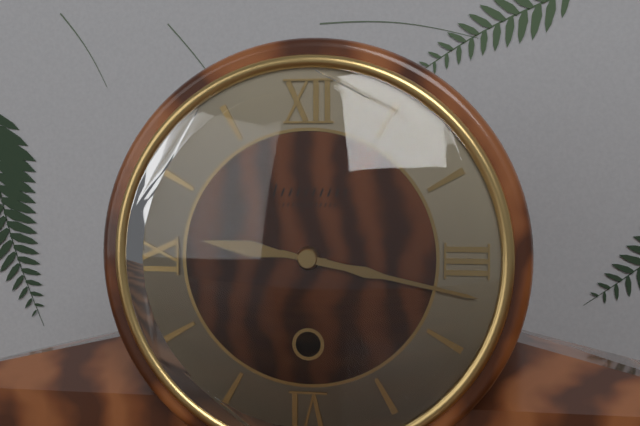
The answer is 9.17
